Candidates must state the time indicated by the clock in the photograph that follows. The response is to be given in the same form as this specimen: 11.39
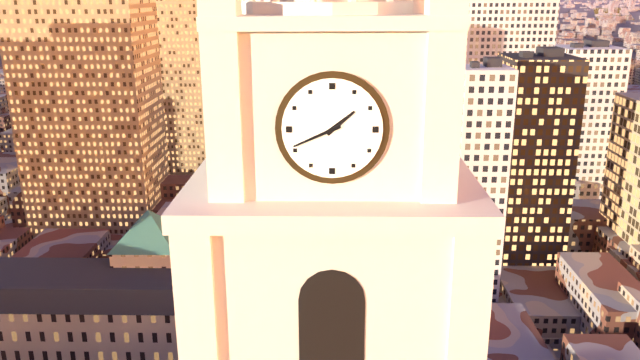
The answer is 1.41
